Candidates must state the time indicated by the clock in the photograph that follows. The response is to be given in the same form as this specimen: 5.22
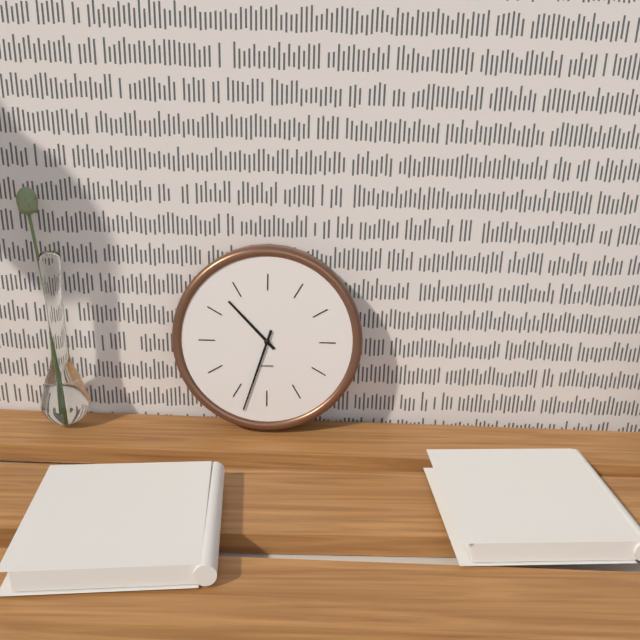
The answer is 10.33
